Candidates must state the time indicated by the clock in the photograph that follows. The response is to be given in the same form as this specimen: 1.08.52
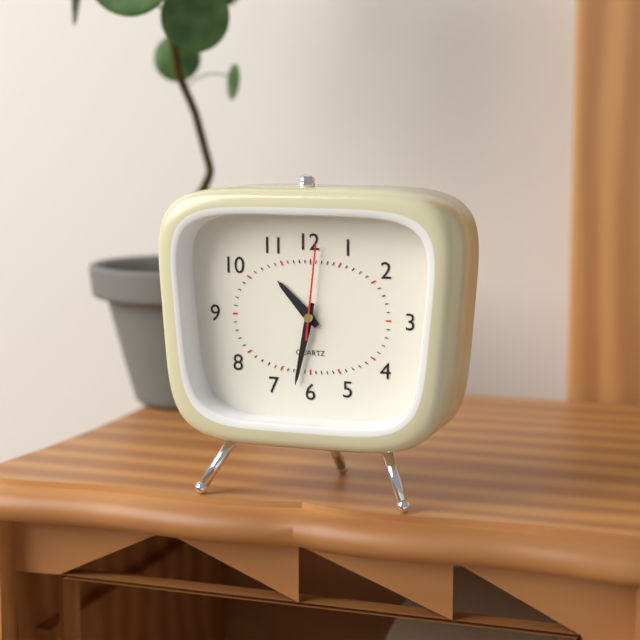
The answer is 10.32.01
